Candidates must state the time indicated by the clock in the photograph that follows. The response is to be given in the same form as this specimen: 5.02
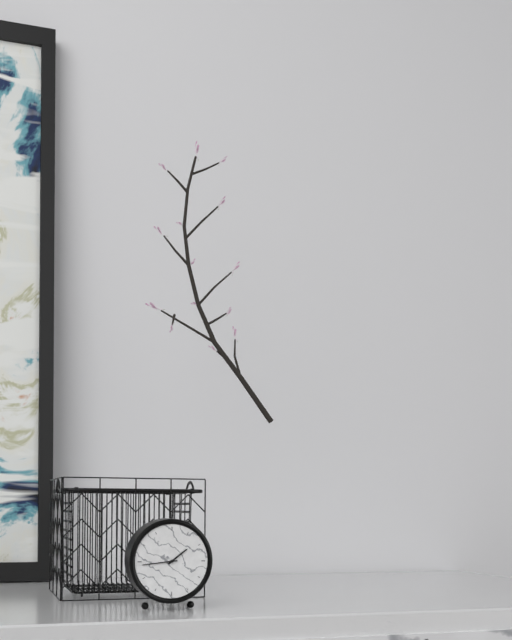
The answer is 1.44
